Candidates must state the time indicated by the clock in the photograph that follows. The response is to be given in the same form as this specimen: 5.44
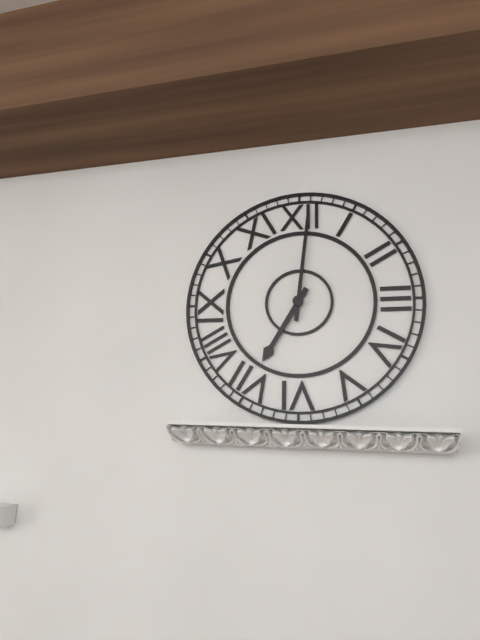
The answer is 7.01
